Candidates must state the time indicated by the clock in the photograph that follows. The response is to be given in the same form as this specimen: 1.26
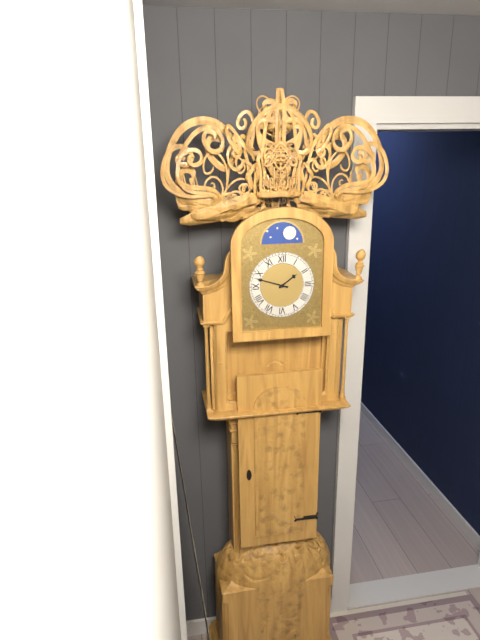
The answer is 1.48
